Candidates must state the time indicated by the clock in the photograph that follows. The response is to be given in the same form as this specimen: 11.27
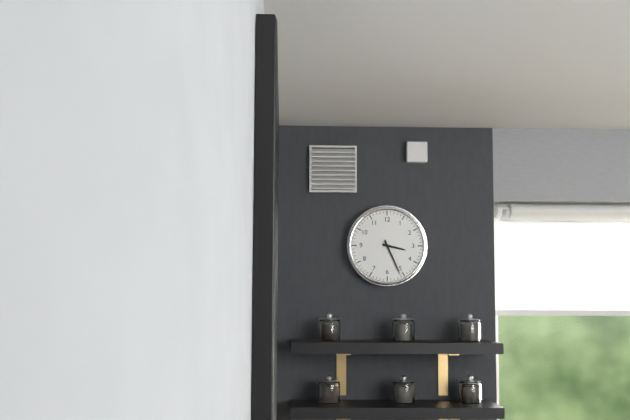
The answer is 3.26
